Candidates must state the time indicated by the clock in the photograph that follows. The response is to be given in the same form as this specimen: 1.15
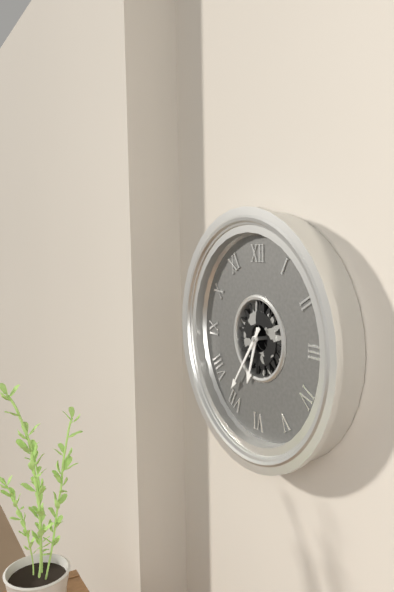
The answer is 6.36
